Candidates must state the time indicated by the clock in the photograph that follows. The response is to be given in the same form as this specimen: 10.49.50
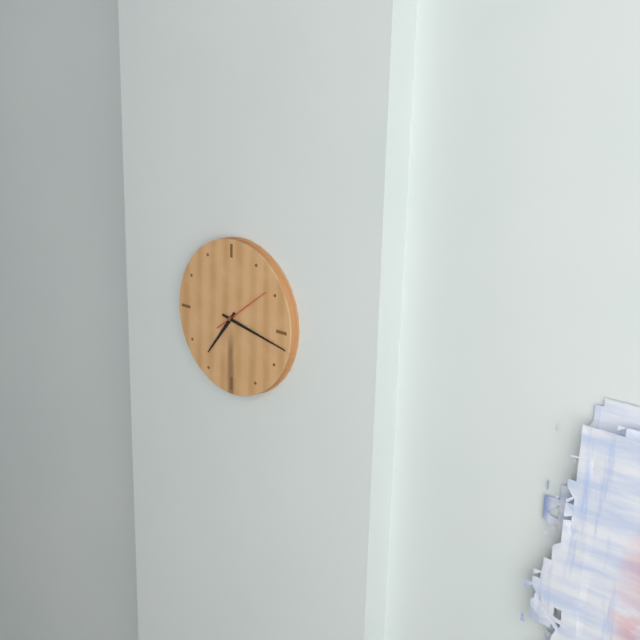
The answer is 7.17.09
